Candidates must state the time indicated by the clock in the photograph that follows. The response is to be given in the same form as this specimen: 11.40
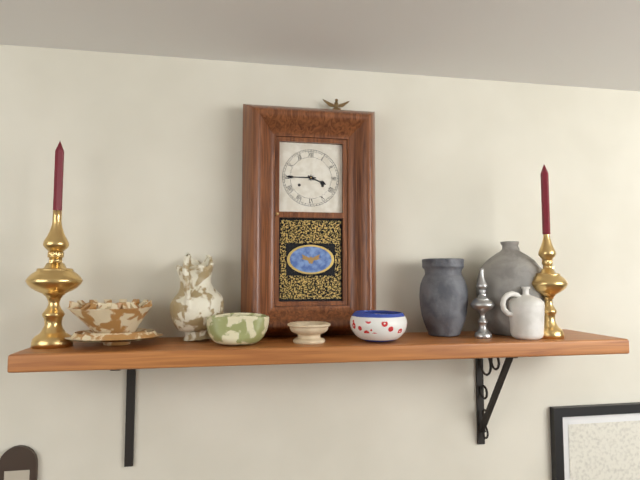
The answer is 3.45
